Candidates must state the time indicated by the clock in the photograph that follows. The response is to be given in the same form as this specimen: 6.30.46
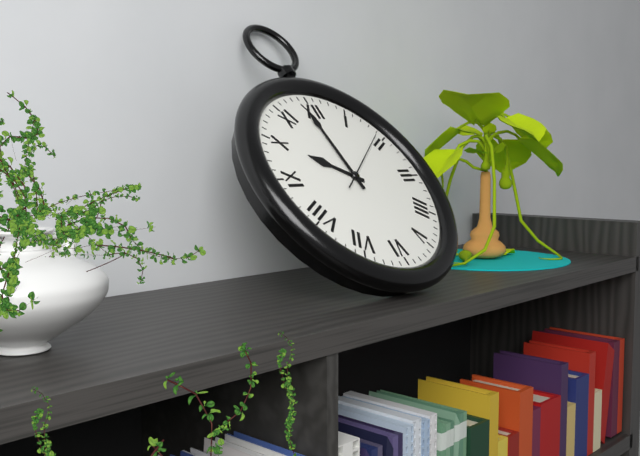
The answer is 9.59.09
